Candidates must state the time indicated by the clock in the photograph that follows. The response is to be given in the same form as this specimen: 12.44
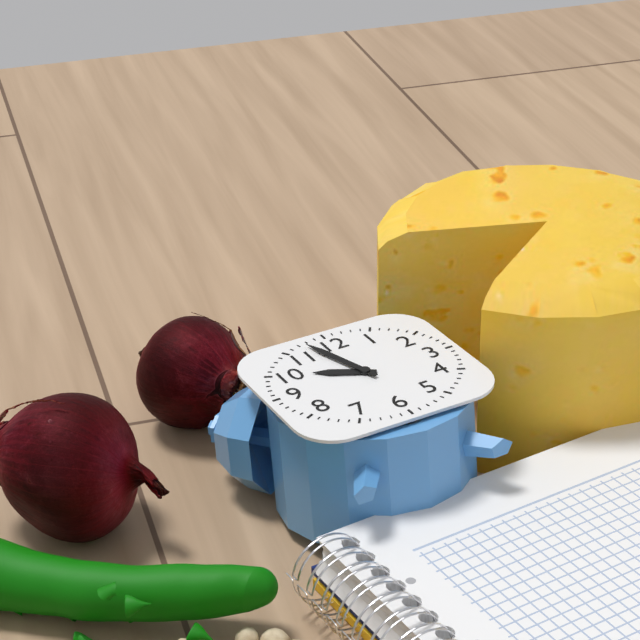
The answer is 9.57
